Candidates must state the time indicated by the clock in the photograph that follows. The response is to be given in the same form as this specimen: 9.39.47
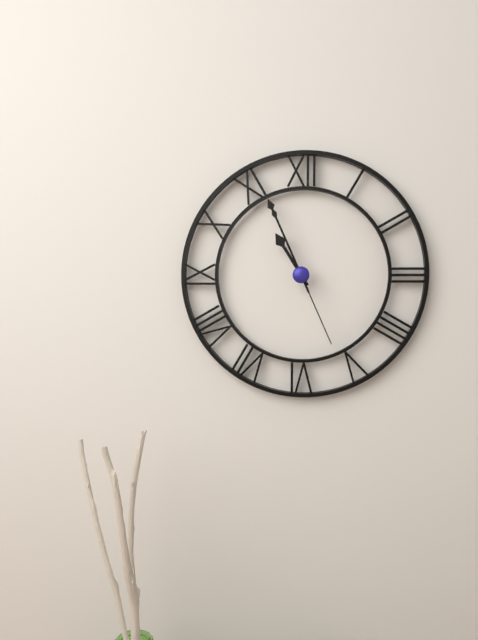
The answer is 10.56.26
